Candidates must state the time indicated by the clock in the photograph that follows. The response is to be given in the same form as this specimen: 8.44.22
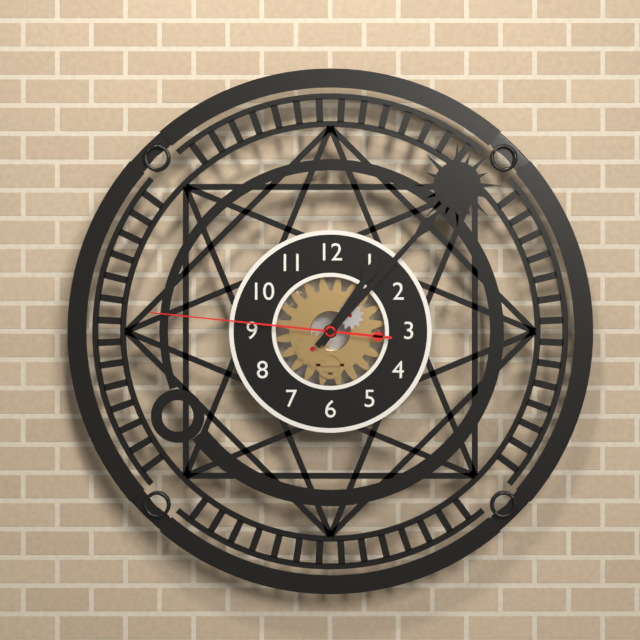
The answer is 1.07.46
